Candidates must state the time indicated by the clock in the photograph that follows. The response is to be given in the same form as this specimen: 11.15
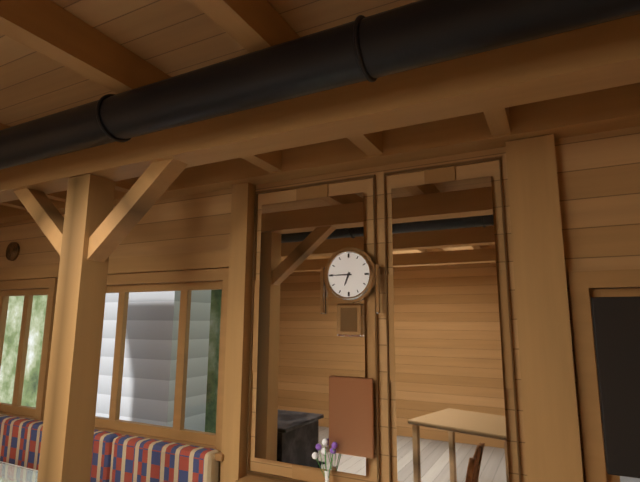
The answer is 6.45
